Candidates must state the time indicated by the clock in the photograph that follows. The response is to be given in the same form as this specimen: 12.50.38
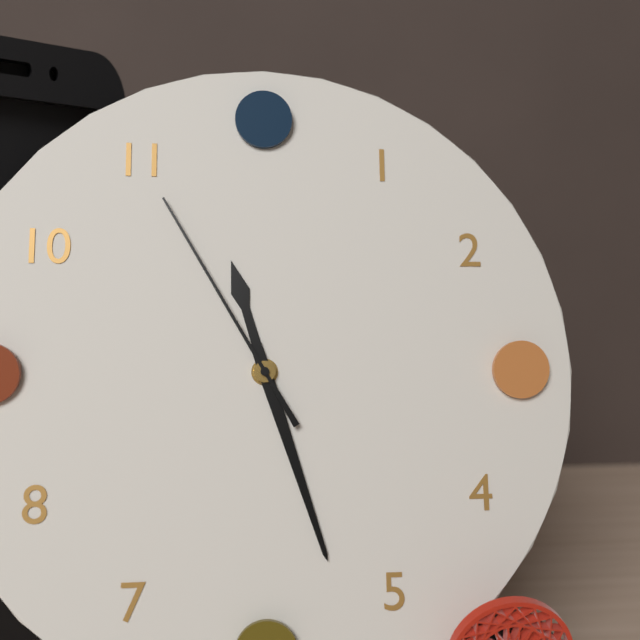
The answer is 11.27.55
